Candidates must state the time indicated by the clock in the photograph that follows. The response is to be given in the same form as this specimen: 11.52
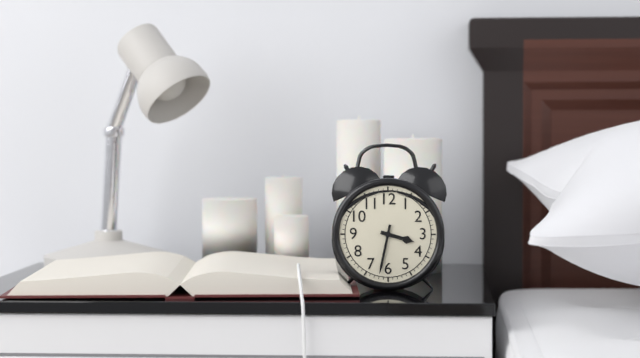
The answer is 3.32
